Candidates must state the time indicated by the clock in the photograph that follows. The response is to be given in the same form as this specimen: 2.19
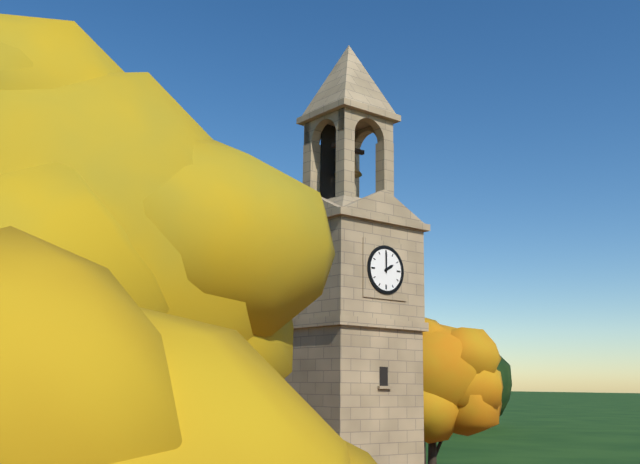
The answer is 2.00
